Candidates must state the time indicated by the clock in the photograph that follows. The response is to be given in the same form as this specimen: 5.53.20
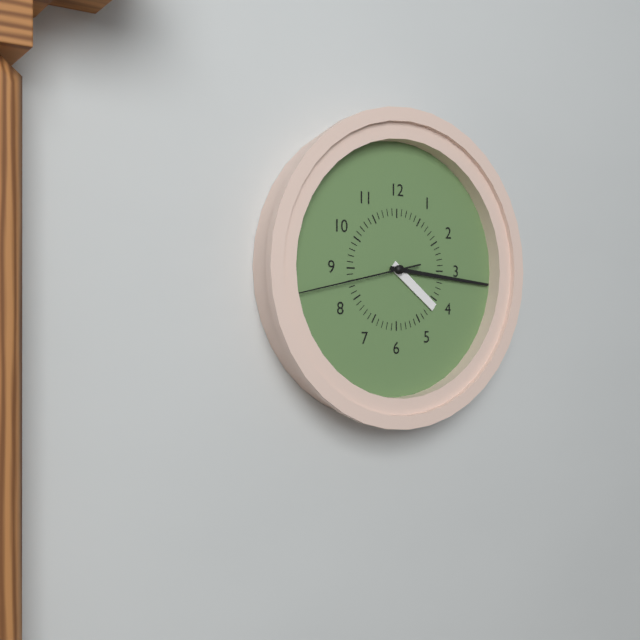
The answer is 4.16.43
